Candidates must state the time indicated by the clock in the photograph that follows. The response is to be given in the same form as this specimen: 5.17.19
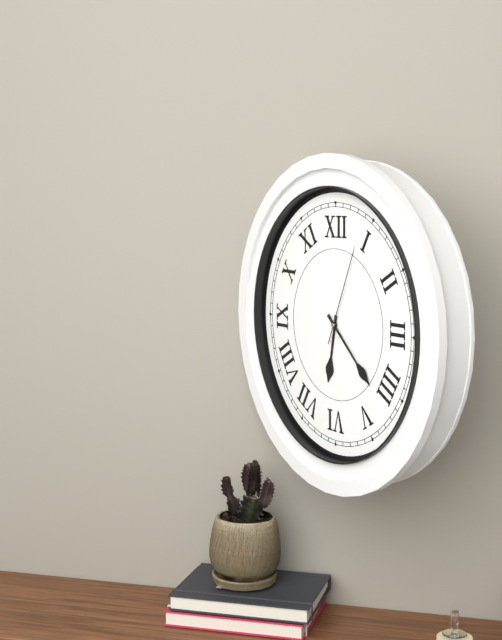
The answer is 6.22.04
